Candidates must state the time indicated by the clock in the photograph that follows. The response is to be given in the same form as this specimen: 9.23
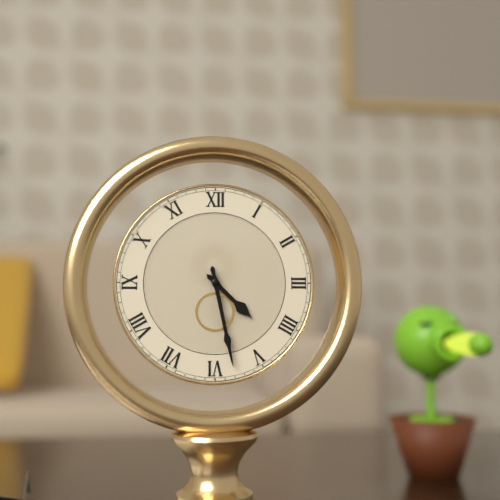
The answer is 4.28
